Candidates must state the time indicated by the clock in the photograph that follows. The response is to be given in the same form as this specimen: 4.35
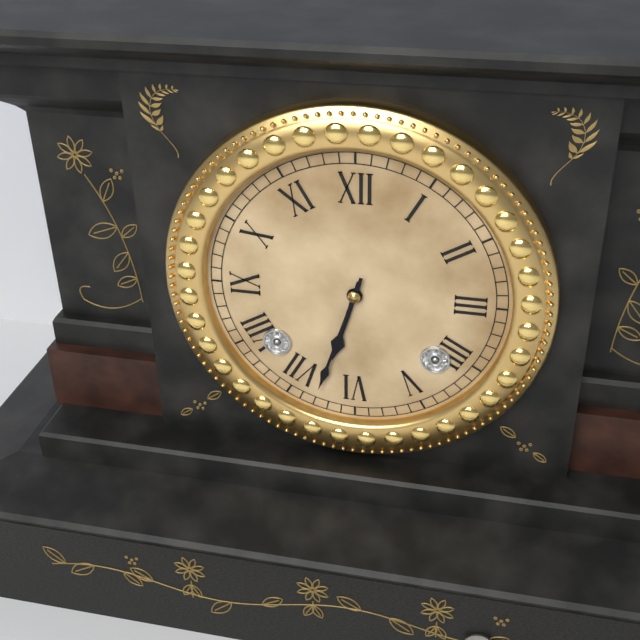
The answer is 6.33
